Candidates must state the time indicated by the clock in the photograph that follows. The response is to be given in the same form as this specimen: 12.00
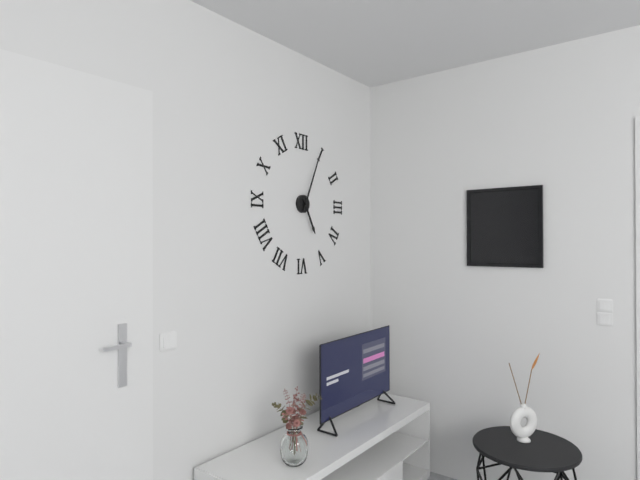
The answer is 5.04
